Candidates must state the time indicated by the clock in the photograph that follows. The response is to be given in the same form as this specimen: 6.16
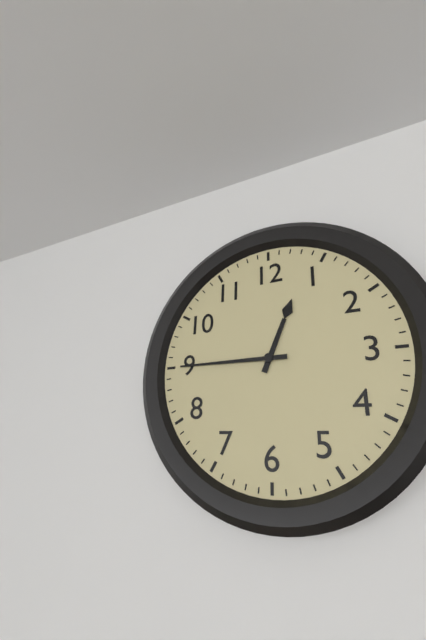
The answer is 12.45
